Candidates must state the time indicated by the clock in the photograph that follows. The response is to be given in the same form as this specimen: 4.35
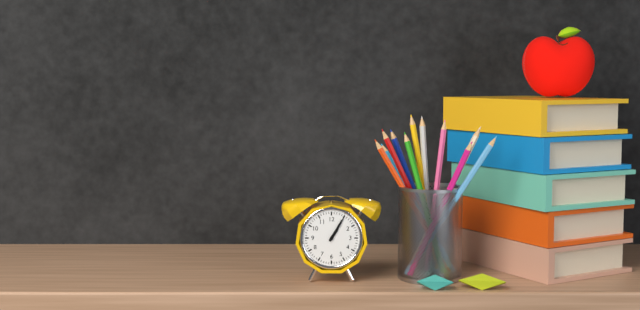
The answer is 1.05
